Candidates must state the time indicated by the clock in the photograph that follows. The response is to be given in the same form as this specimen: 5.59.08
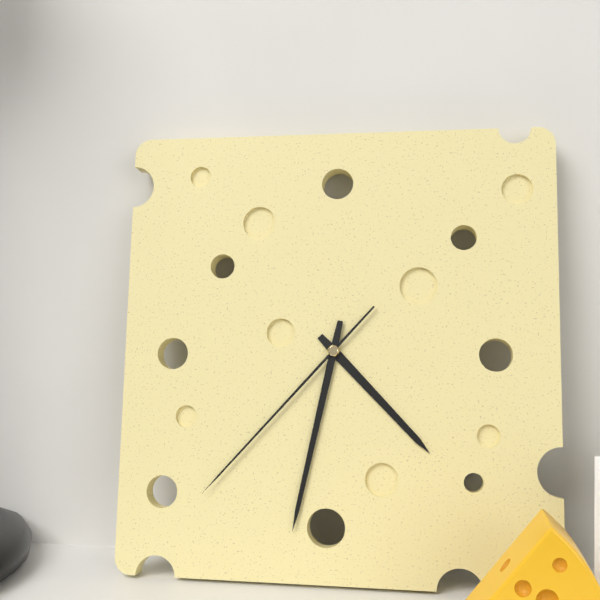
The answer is 4.32.37
